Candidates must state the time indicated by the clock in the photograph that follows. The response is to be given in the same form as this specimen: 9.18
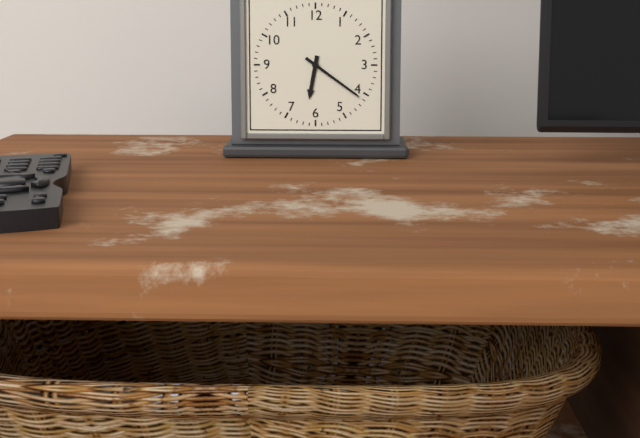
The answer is 6.21
